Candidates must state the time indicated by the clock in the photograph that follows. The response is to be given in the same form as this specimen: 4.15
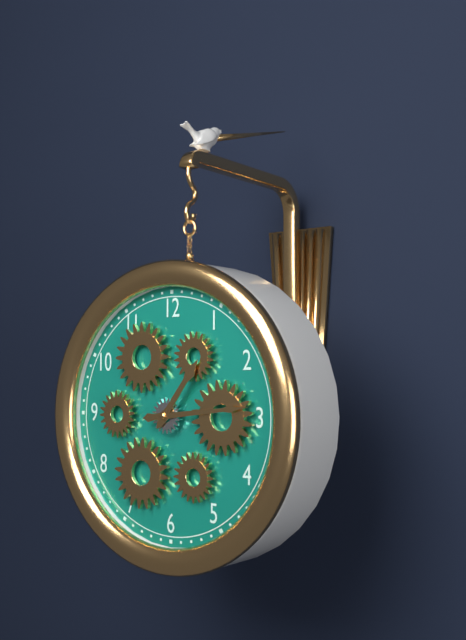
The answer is 1.14
